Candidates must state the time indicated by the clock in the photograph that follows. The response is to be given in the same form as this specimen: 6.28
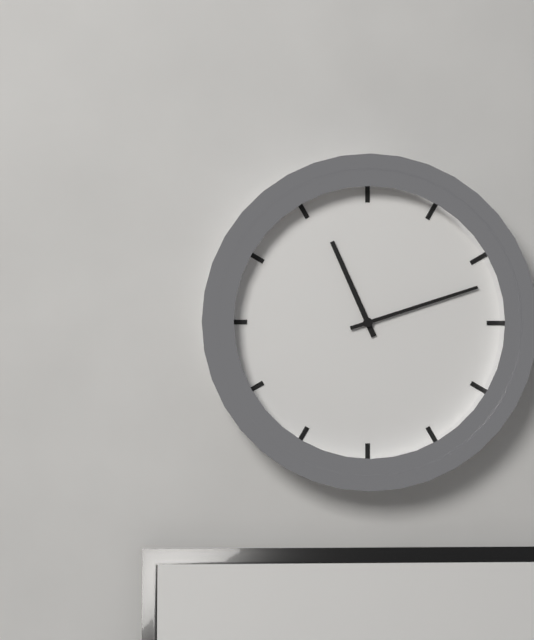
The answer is 11.12
